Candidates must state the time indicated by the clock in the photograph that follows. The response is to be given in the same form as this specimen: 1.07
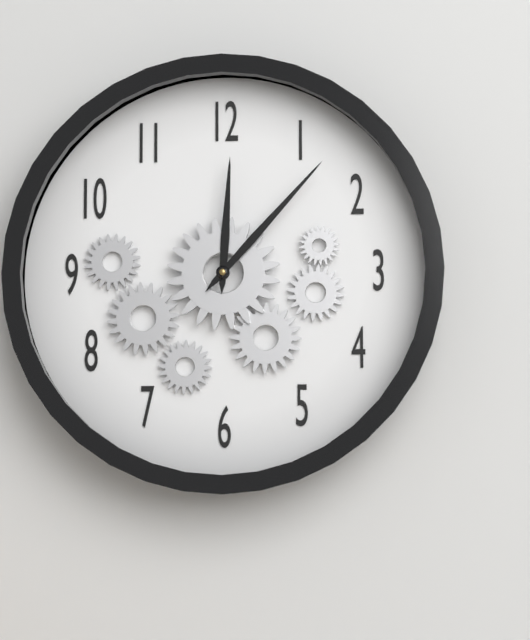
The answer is 12.07
